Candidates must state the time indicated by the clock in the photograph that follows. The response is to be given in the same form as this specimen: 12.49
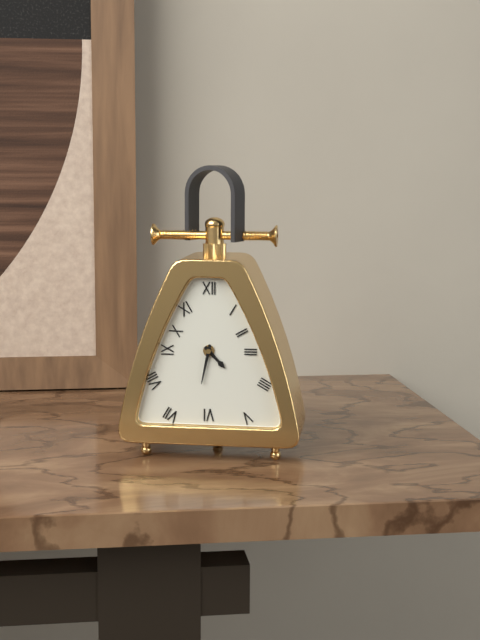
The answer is 4.32
